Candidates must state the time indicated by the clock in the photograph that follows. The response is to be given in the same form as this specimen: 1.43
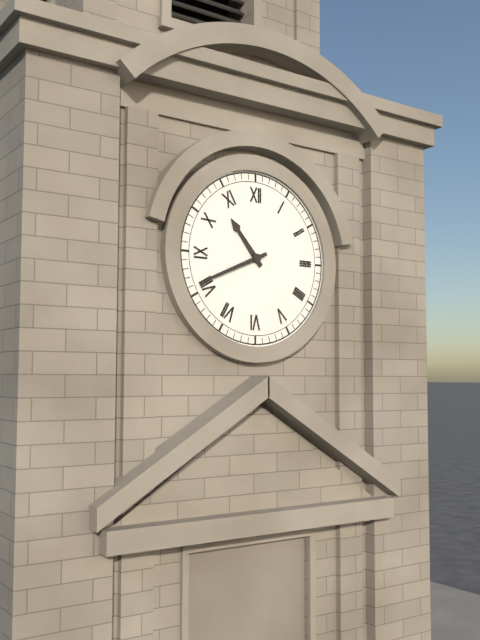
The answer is 10.41
